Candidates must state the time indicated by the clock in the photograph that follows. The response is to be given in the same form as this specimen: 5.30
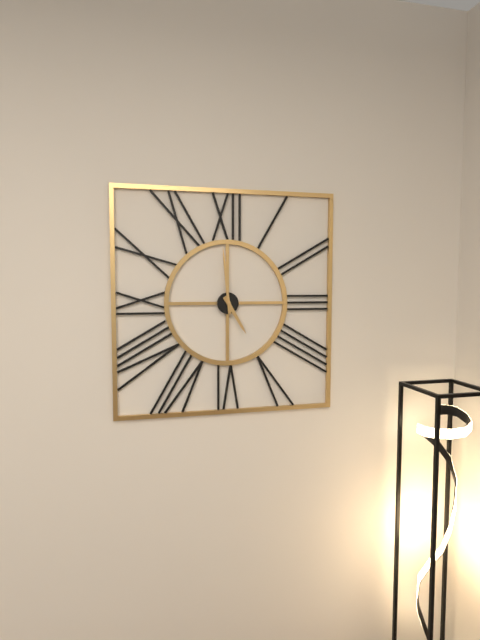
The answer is 4.59
